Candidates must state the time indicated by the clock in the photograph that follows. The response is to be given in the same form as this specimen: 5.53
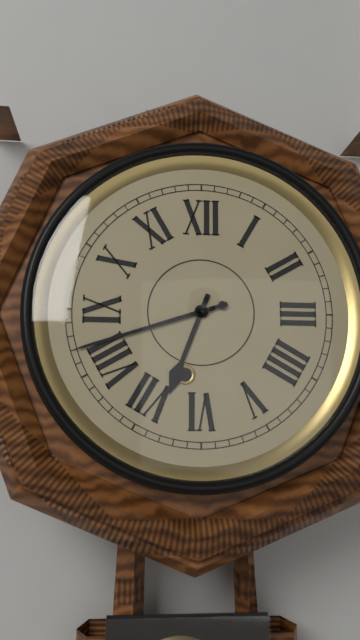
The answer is 6.42
